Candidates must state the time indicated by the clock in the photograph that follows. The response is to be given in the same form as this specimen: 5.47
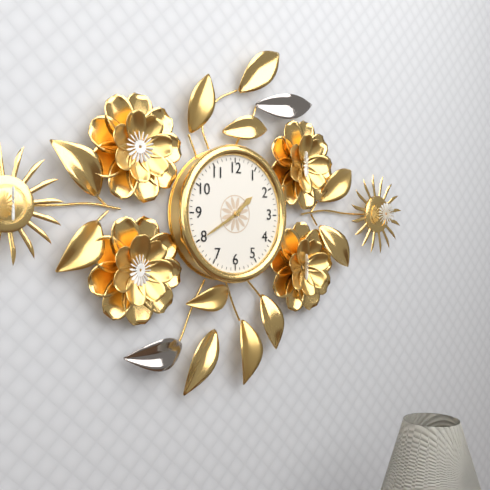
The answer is 1.40
